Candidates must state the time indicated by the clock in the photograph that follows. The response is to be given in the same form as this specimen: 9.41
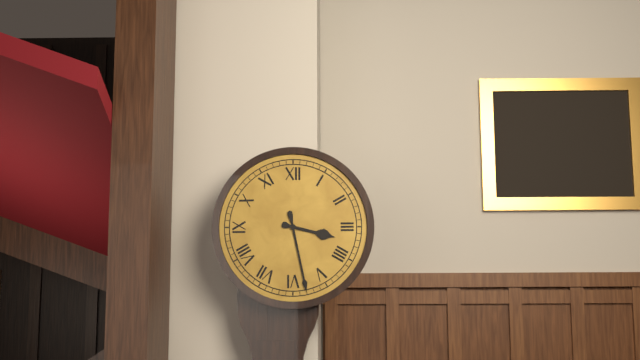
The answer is 3.28
